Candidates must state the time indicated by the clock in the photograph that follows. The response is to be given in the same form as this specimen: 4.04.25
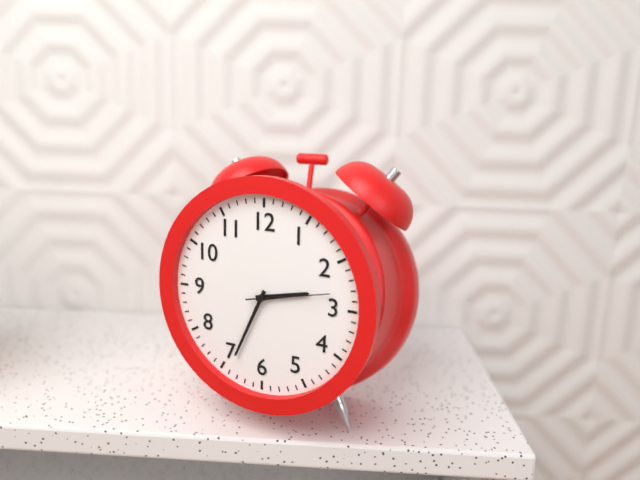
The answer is 2.34.13
